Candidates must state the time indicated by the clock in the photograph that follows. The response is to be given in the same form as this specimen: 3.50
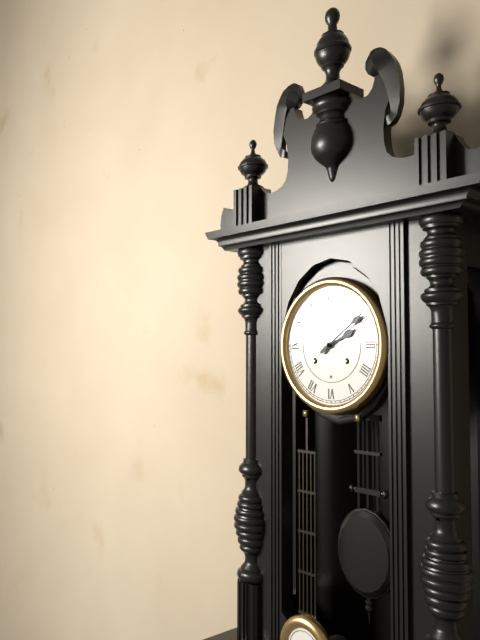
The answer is 2.09
